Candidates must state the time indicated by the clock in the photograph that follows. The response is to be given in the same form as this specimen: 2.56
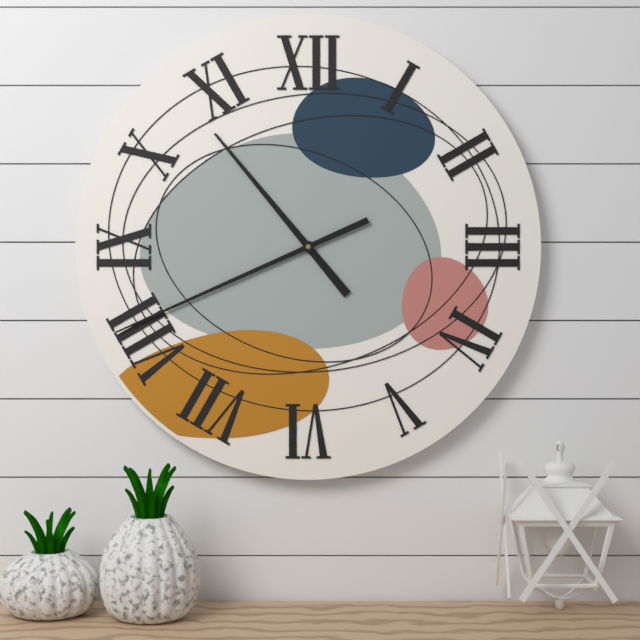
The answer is 10.41
